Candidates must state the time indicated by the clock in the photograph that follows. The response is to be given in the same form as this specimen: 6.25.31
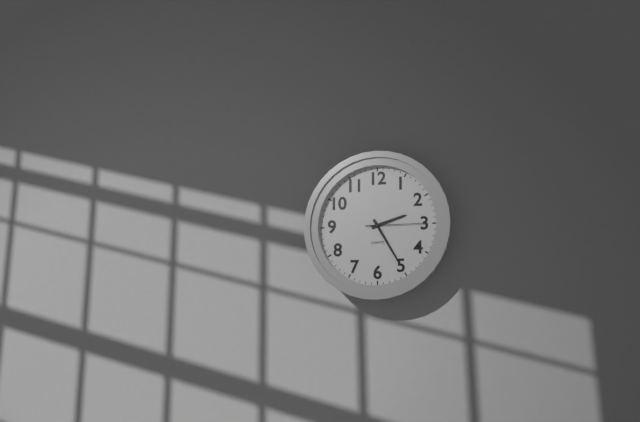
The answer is 2.25.15
